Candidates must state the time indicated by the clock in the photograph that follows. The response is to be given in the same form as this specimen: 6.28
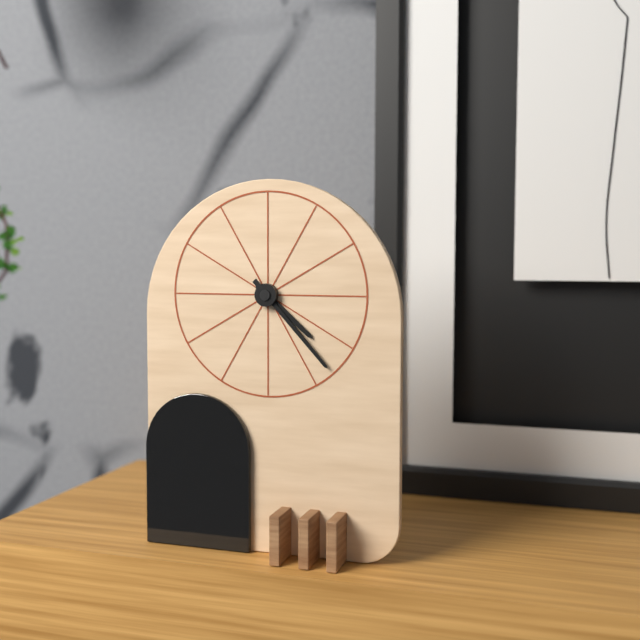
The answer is 4.23
